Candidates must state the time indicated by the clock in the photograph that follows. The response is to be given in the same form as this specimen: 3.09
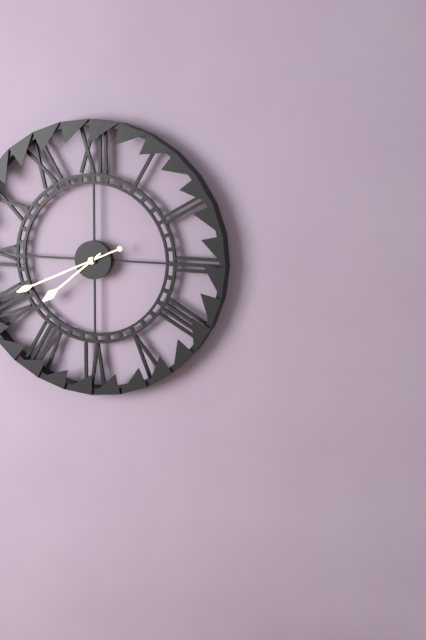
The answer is 7.41
